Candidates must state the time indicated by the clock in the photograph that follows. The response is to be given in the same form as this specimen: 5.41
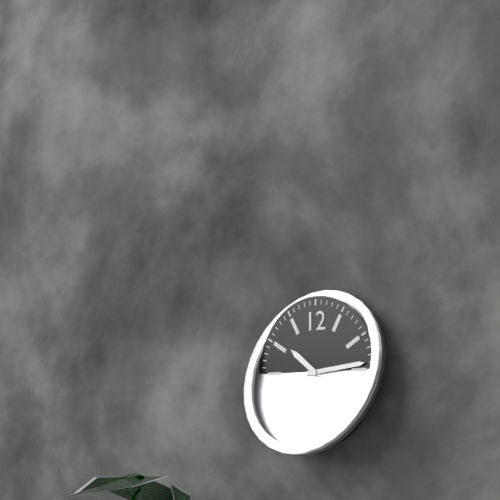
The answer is 10.14
